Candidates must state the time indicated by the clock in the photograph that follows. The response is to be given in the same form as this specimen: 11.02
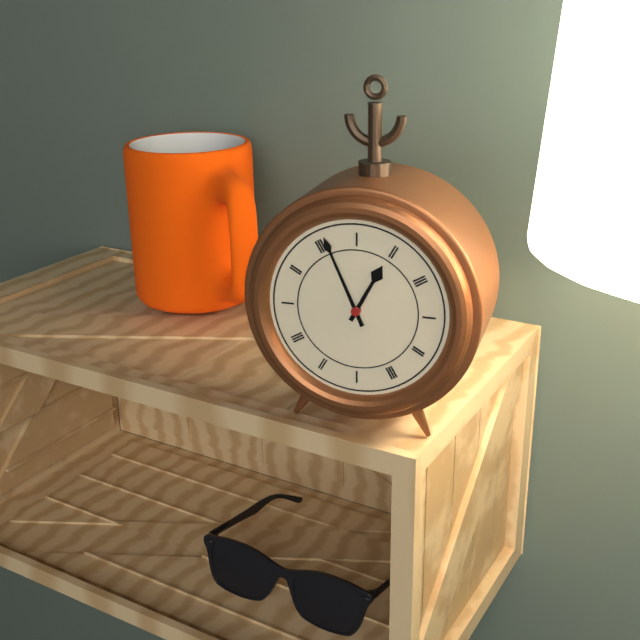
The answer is 12.56
